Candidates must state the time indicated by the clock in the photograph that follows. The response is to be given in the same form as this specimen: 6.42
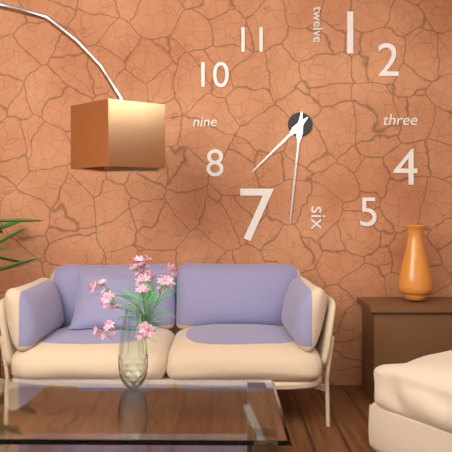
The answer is 7.31
